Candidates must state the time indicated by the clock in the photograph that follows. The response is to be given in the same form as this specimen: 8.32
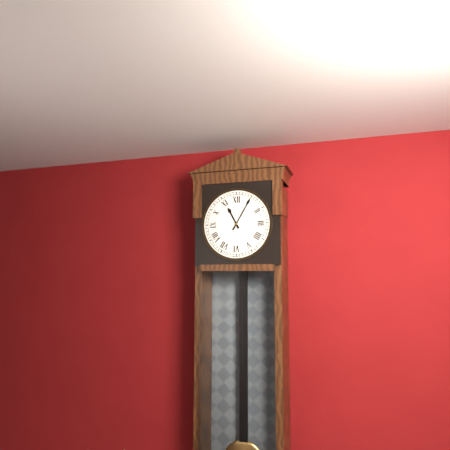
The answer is 11.05
